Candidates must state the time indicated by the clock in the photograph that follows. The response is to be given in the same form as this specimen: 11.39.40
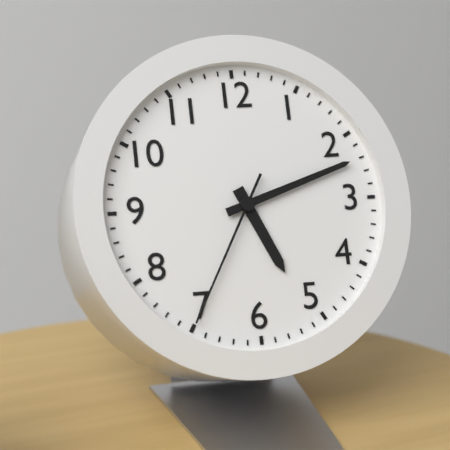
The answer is 5.12.35
